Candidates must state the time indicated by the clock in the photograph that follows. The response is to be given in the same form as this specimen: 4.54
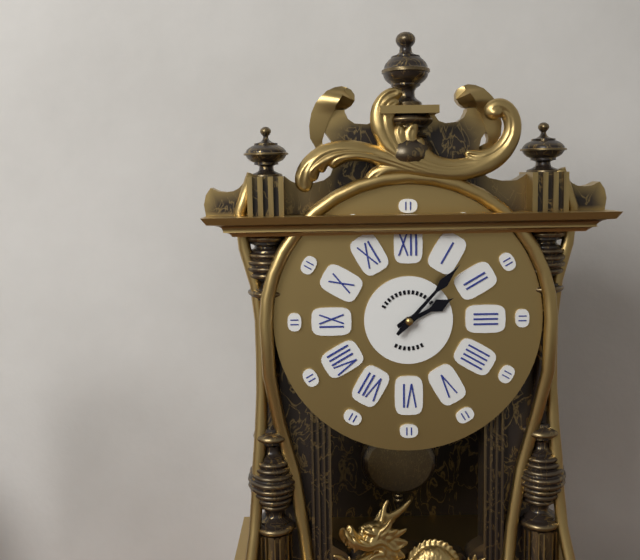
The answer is 2.07
